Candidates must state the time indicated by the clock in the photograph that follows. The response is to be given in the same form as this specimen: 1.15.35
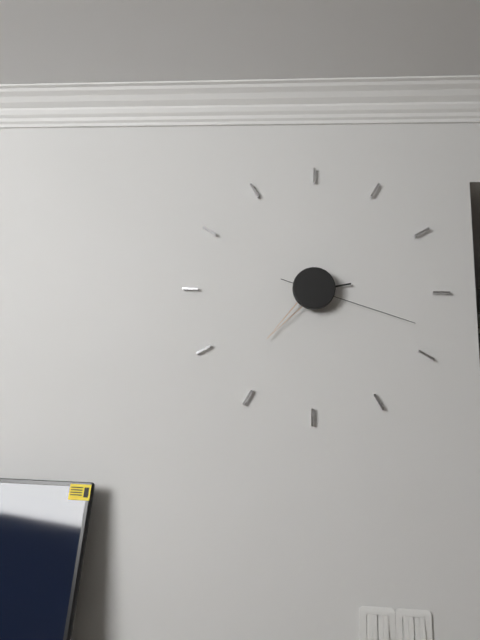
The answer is 2.37.18
